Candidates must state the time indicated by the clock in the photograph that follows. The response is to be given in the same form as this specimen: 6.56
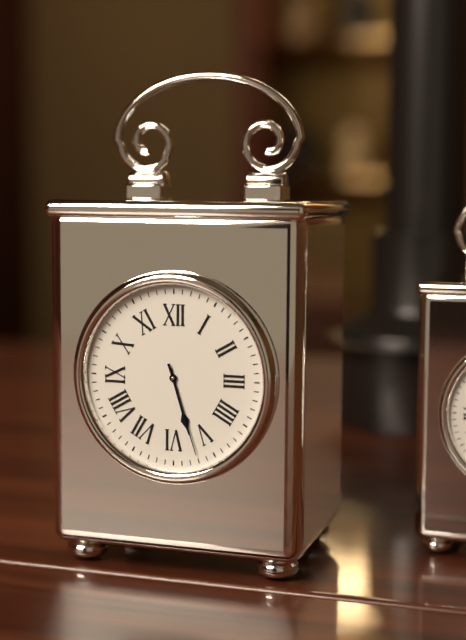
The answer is 5.27
